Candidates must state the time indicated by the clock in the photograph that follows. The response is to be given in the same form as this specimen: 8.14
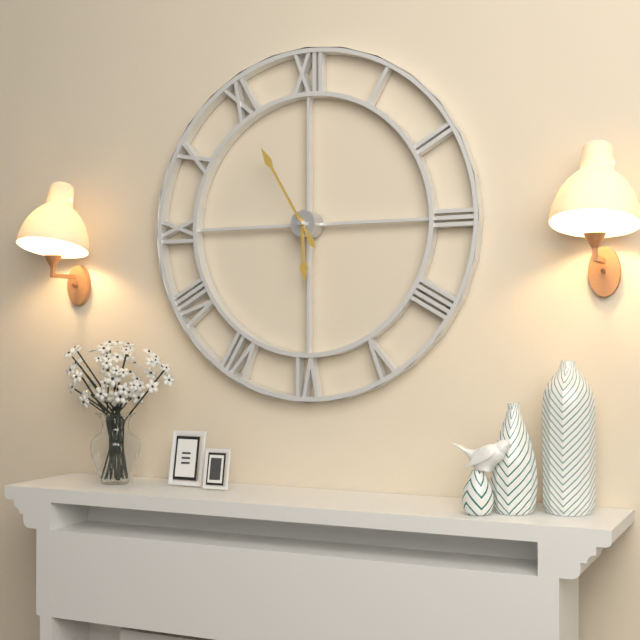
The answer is 5.55
